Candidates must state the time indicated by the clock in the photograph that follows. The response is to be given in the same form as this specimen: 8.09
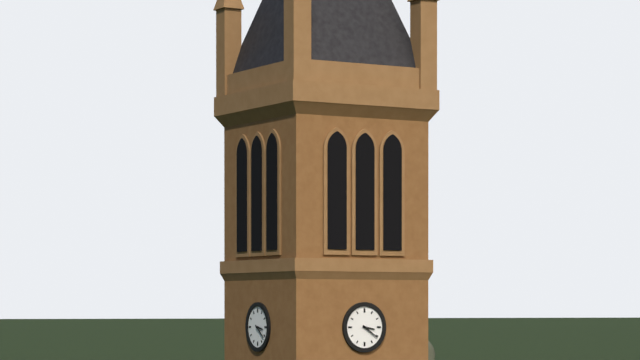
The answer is 3.21
